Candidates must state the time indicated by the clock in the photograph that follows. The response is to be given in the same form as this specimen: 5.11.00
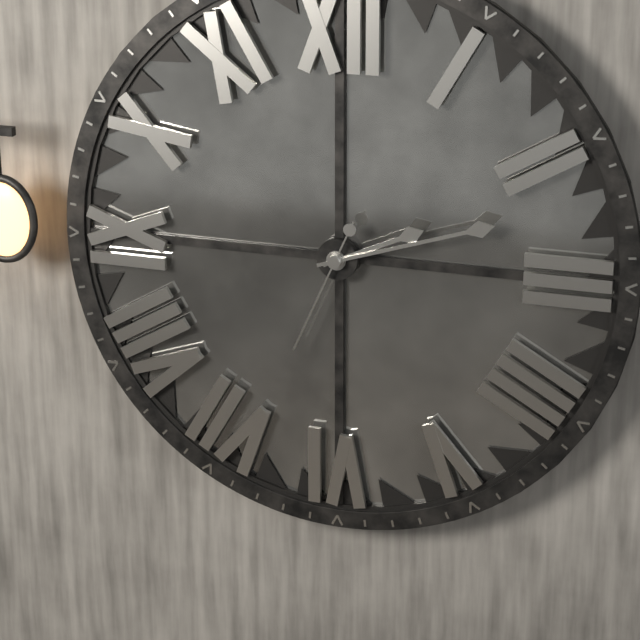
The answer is 2.12.34
